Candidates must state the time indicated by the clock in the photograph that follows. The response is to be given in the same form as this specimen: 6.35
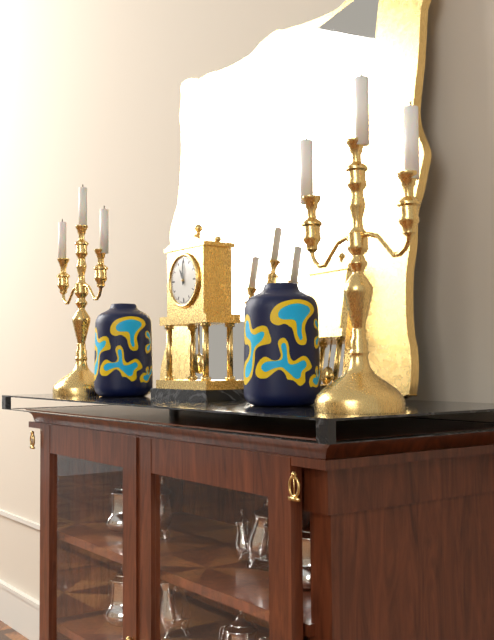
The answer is 11.00
